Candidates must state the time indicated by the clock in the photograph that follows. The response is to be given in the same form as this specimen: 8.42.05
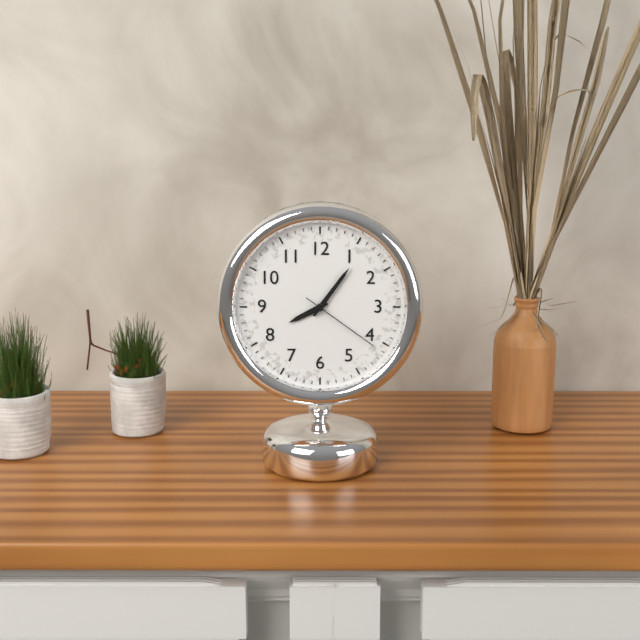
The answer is 8.06.21
